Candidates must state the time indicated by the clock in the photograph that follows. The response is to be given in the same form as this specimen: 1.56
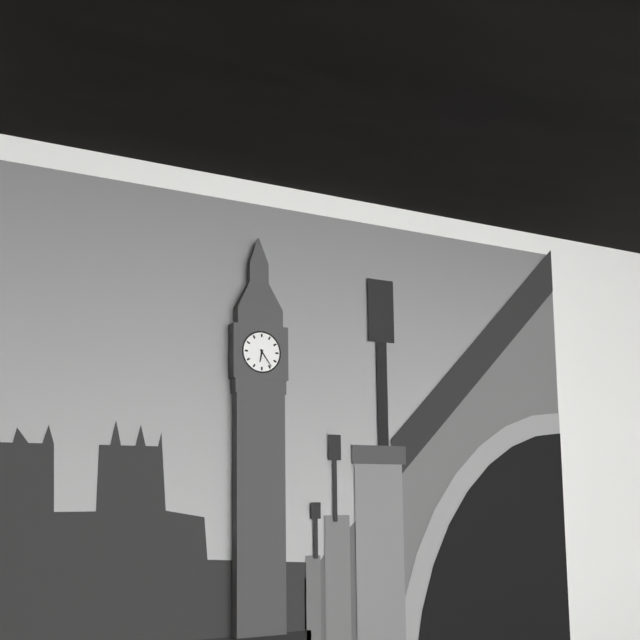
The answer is 6.24
